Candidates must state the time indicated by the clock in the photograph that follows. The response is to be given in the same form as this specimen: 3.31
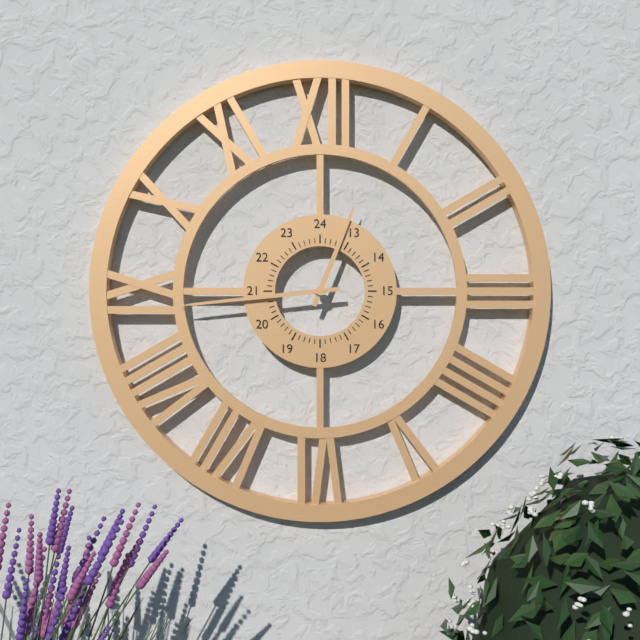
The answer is 12.44
